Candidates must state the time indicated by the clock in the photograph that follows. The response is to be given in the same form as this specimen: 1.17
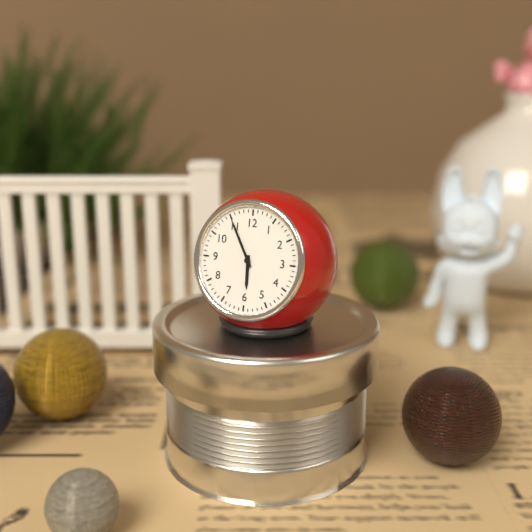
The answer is 5.55
